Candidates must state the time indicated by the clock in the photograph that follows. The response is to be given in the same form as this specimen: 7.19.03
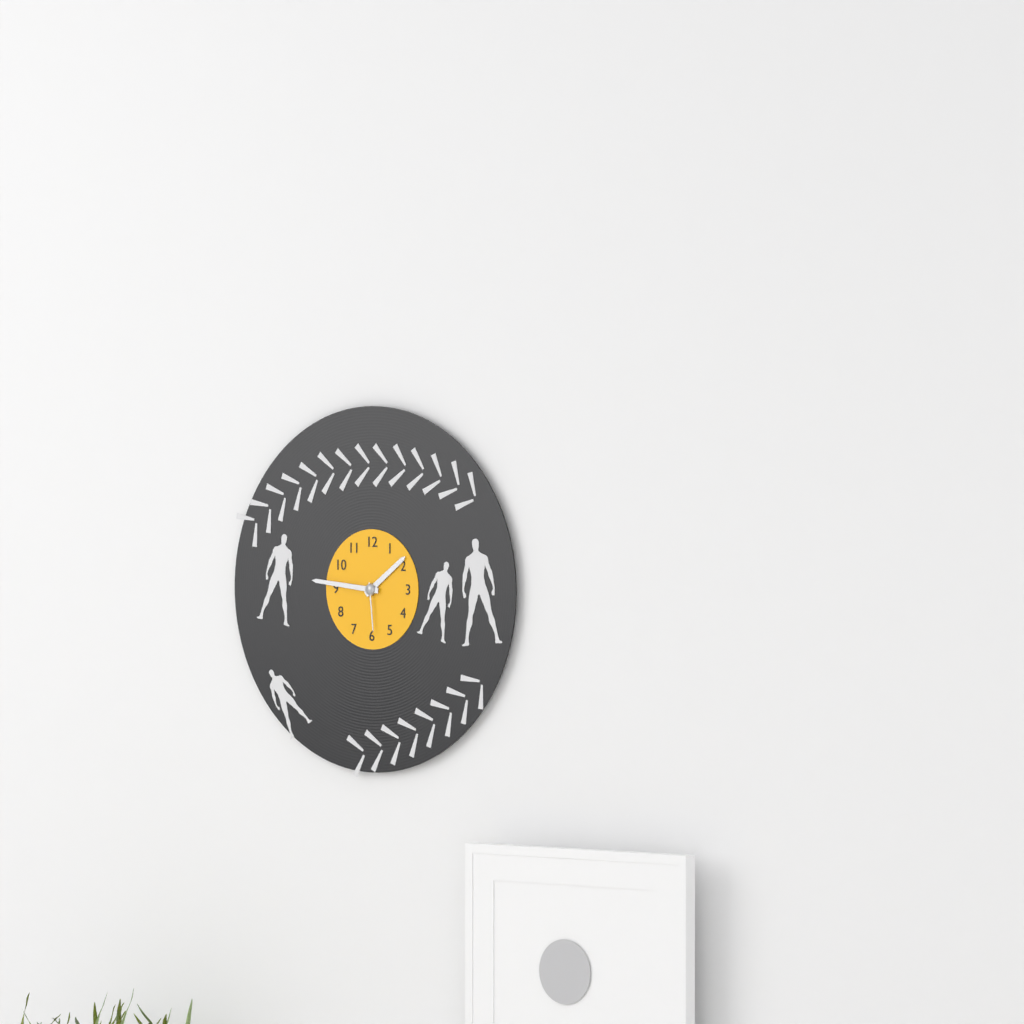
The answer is 1.46.29
